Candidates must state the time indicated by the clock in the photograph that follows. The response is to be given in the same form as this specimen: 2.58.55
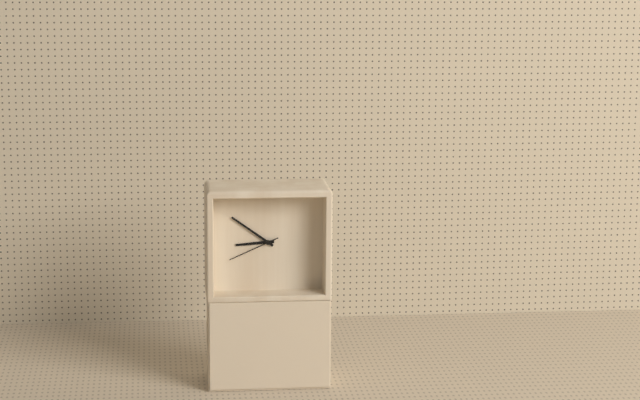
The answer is 8.51.41
